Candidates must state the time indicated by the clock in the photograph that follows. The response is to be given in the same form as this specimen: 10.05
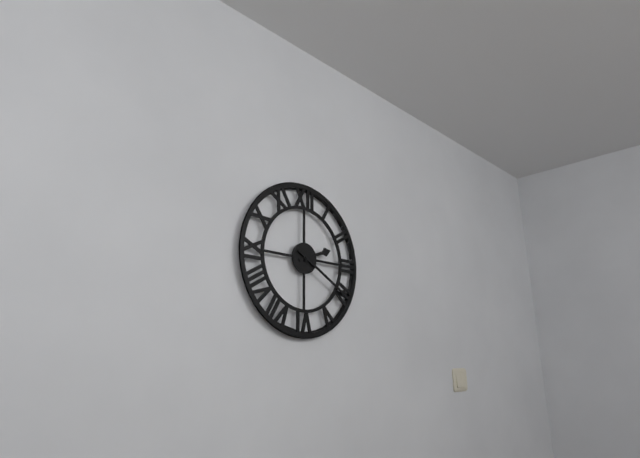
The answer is 2.20
